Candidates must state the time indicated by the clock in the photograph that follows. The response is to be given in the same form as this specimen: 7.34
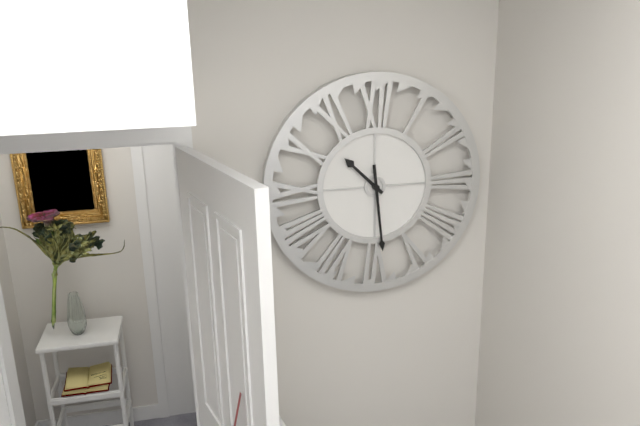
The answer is 10.29
